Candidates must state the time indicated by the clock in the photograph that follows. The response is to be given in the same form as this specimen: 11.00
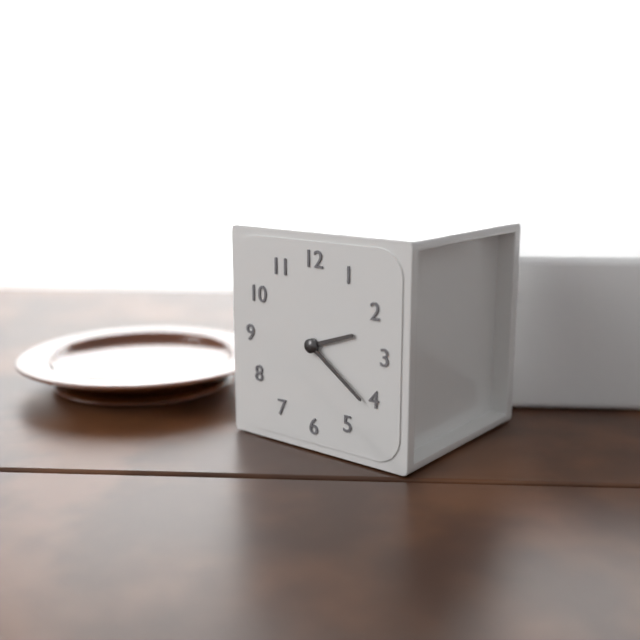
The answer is 2.21
